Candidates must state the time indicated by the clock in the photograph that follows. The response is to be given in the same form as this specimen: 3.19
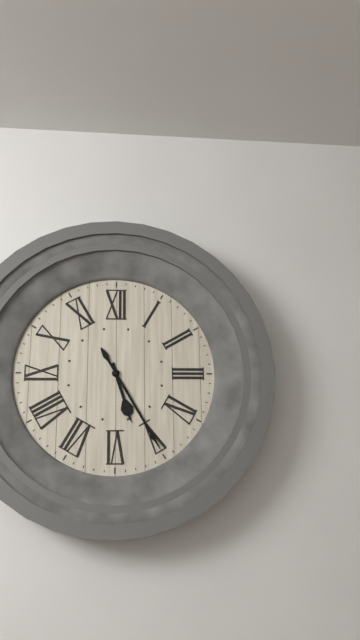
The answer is 5.25
